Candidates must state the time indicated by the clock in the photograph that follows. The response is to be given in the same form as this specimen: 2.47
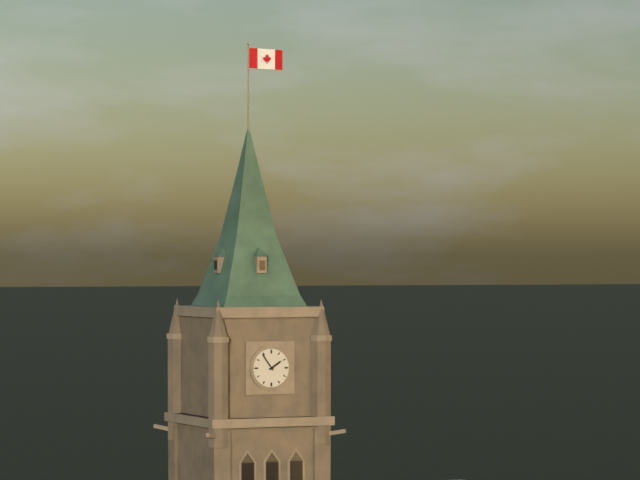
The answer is 1.54
